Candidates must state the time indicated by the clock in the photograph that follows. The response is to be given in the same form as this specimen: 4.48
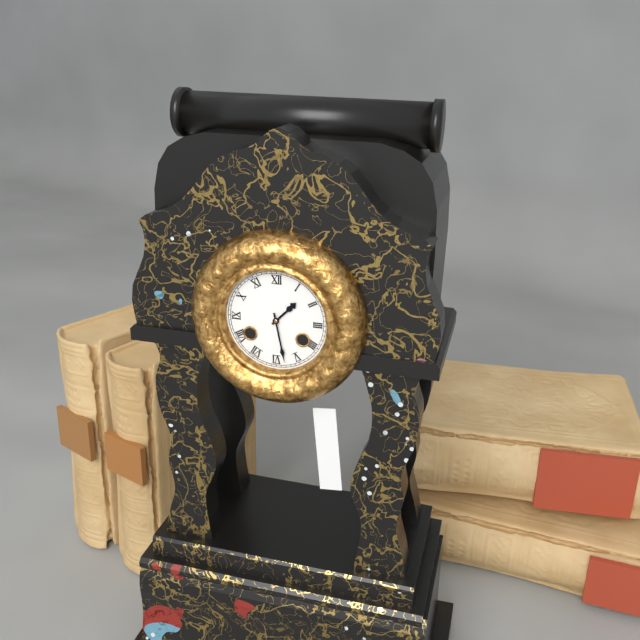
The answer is 1.28
